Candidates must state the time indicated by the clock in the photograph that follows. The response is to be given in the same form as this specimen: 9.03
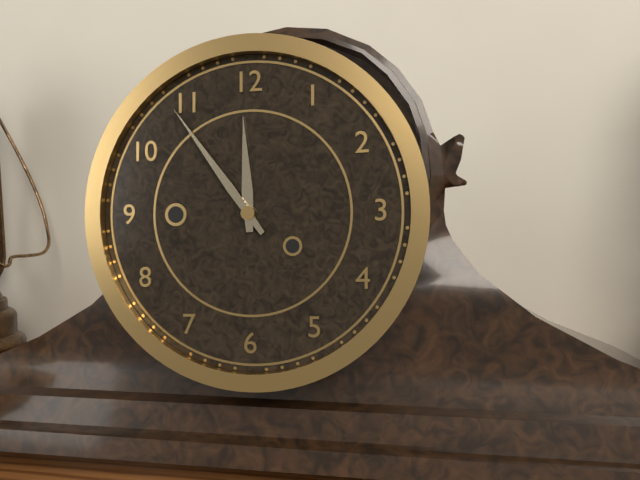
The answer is 11.54
